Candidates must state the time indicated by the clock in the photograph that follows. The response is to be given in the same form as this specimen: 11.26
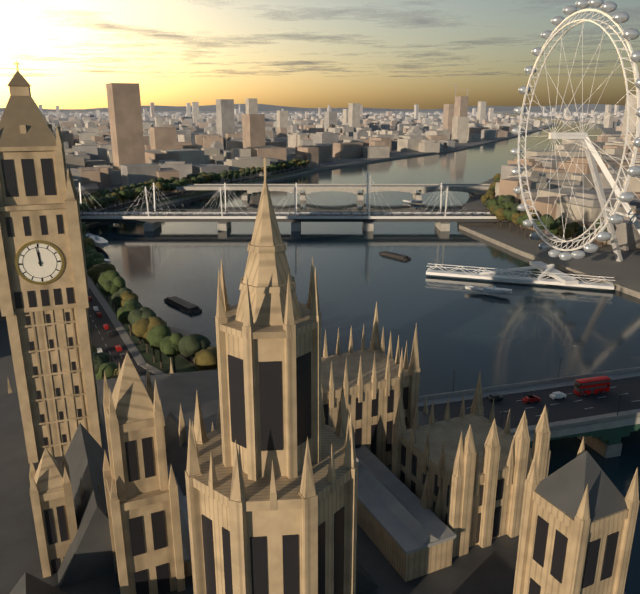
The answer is 11.59
